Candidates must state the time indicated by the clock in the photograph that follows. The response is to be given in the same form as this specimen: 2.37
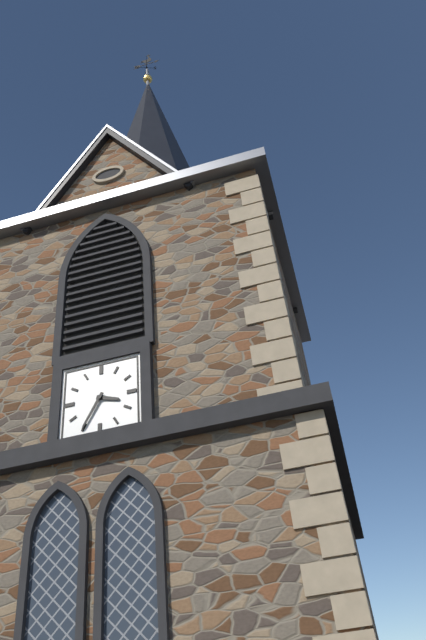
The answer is 3.35
